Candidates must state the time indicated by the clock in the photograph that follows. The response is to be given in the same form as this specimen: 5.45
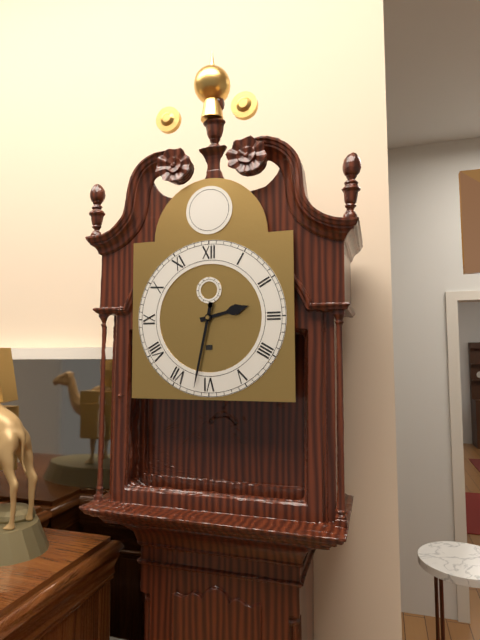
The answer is 2.32
